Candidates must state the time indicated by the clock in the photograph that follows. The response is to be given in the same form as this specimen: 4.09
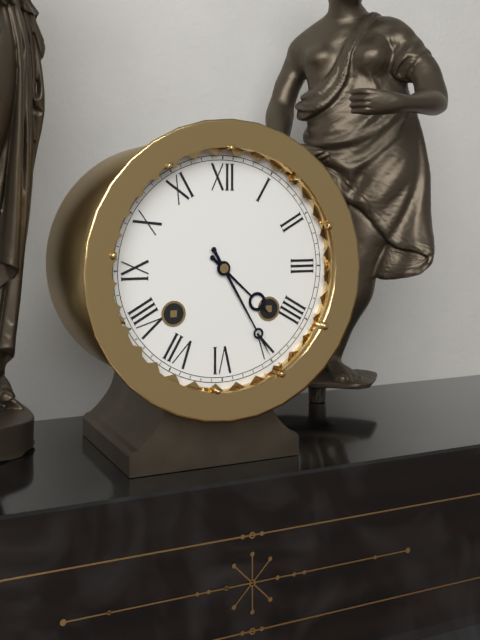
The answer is 4.25
